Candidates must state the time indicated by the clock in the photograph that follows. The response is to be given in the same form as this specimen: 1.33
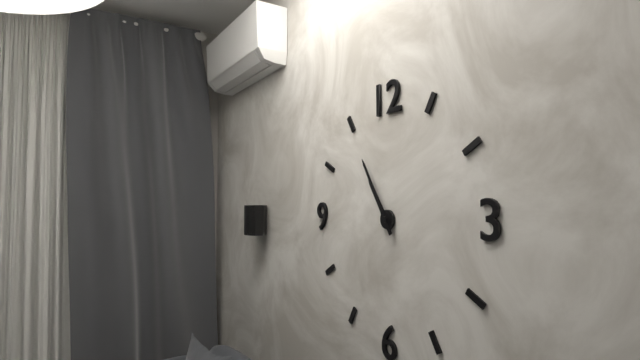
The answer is 10.55
